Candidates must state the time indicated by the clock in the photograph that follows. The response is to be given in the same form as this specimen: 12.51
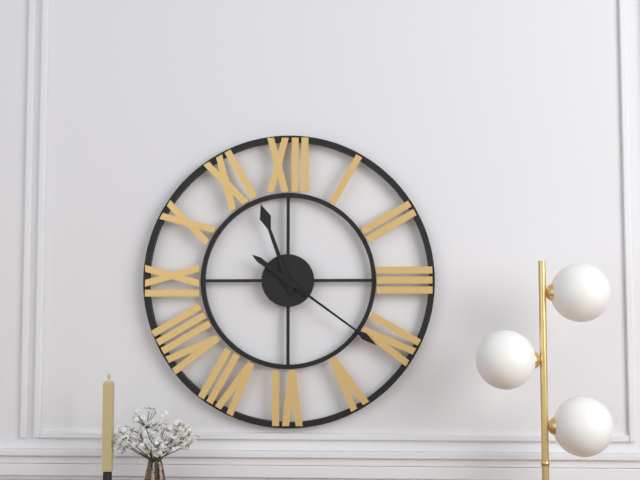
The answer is 11.21
